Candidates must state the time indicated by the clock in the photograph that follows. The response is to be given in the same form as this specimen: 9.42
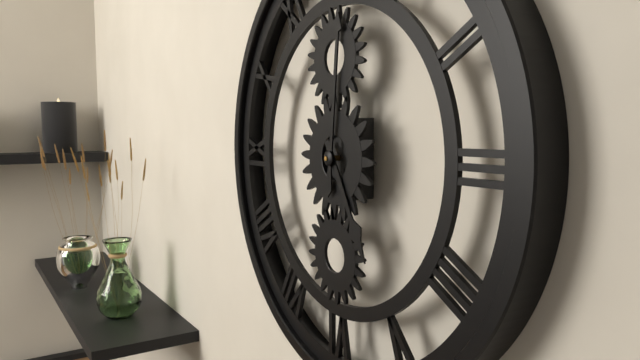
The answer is 5.01
